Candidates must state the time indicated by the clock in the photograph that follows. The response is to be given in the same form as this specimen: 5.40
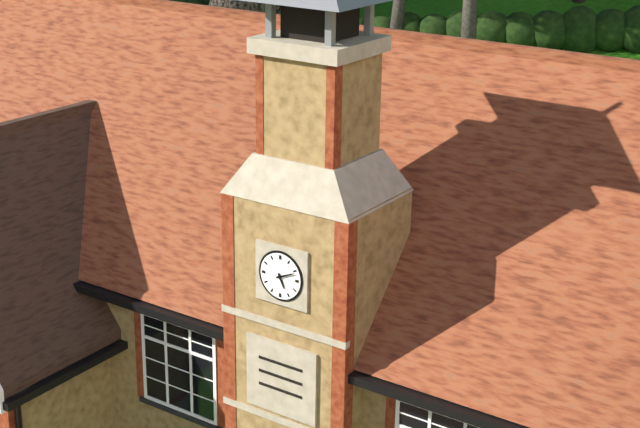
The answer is 5.11
